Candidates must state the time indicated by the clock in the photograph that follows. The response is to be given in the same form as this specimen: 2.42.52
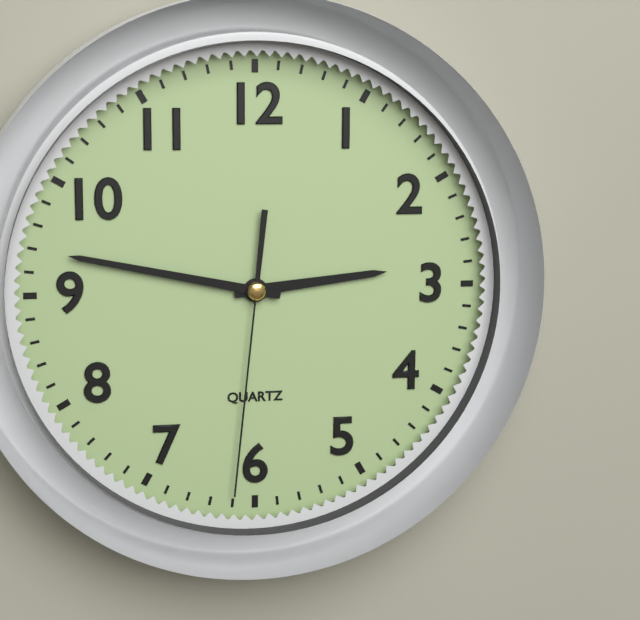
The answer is 2.47.31
